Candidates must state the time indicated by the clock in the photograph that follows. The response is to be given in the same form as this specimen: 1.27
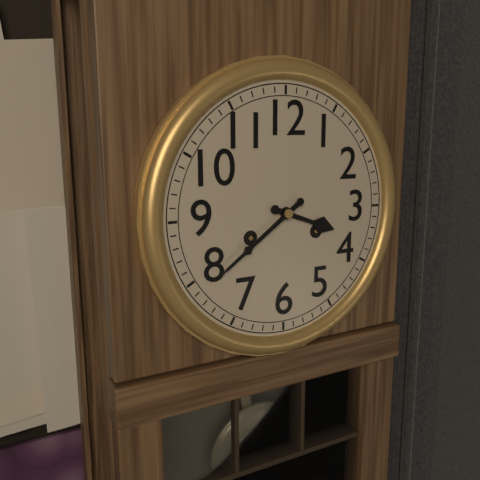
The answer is 3.39
